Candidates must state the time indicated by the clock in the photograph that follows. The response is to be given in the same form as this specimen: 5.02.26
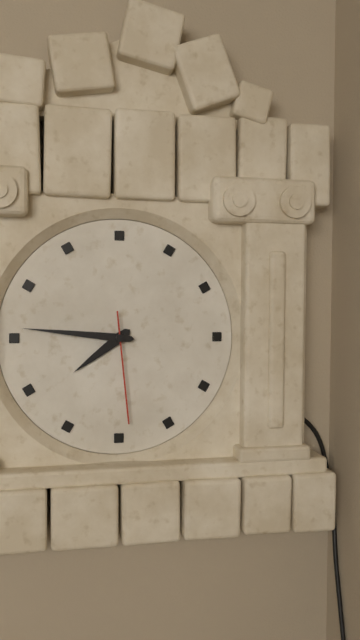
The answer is 7.46.29
